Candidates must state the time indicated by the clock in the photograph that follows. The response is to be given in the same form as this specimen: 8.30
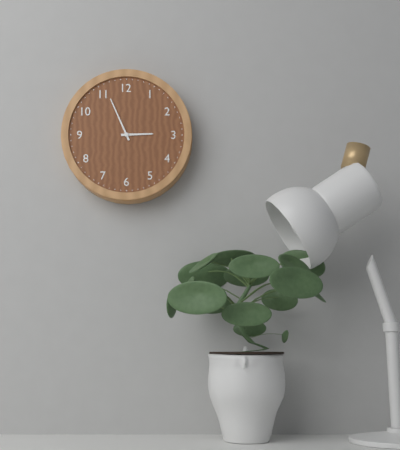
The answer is 2.56
